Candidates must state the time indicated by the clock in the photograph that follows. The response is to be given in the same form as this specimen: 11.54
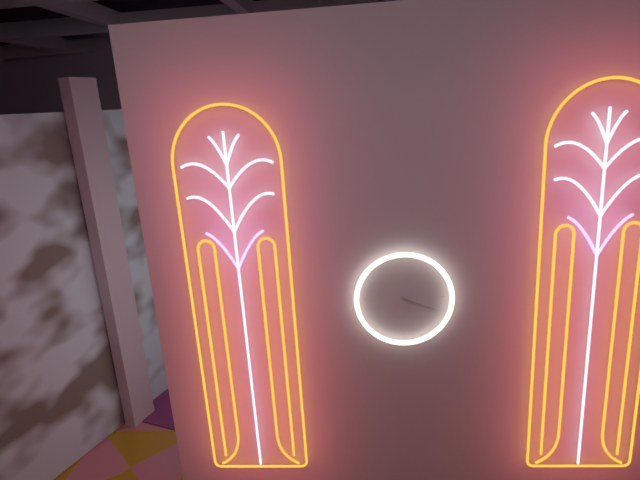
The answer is 4.19
